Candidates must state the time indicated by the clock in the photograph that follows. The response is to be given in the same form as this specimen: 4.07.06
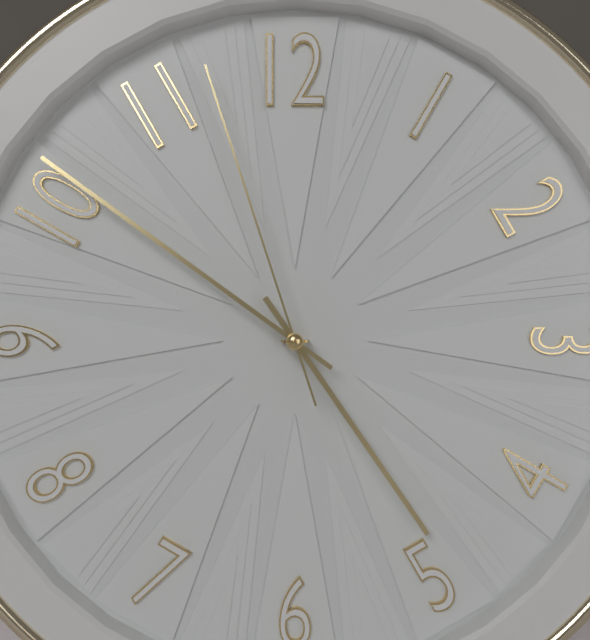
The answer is 4.51.57
